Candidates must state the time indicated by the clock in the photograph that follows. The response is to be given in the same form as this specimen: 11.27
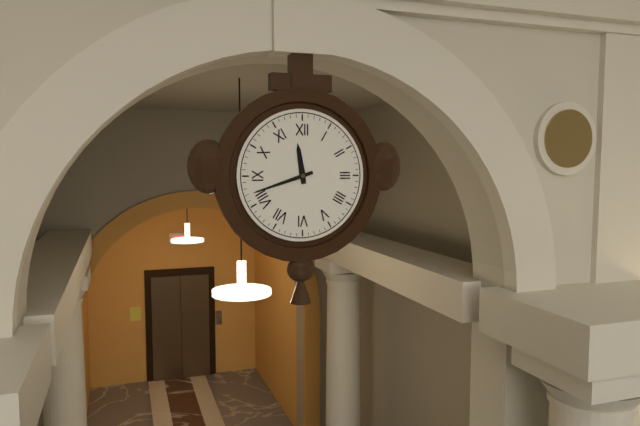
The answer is 11.42
